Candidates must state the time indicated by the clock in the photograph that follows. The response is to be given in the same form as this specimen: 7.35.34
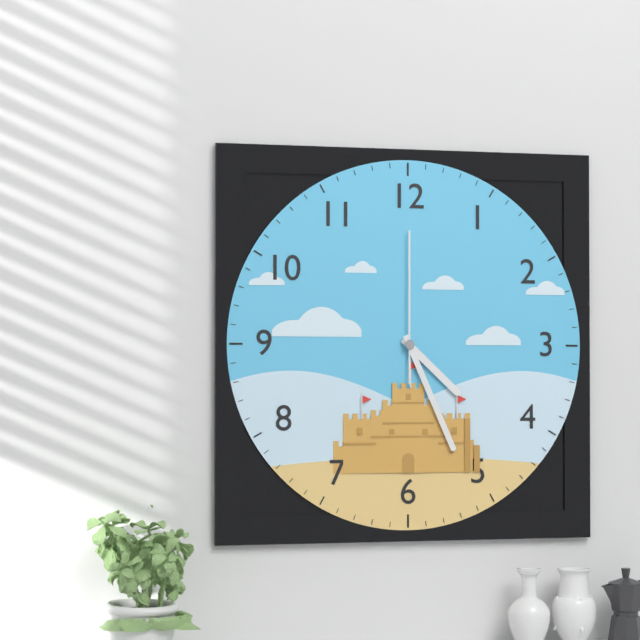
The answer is 4.26.00
